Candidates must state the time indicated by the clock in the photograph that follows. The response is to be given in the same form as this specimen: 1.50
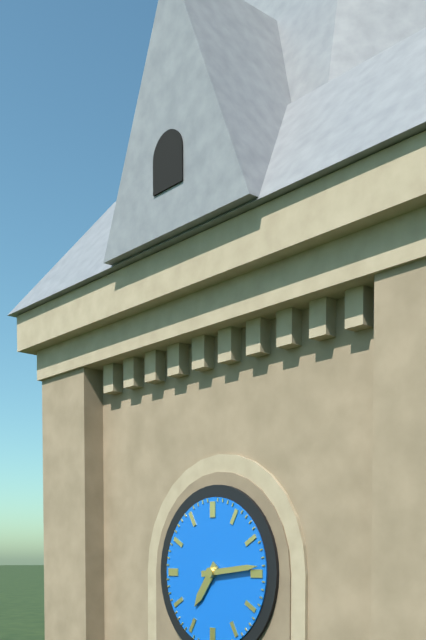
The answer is 7.14
